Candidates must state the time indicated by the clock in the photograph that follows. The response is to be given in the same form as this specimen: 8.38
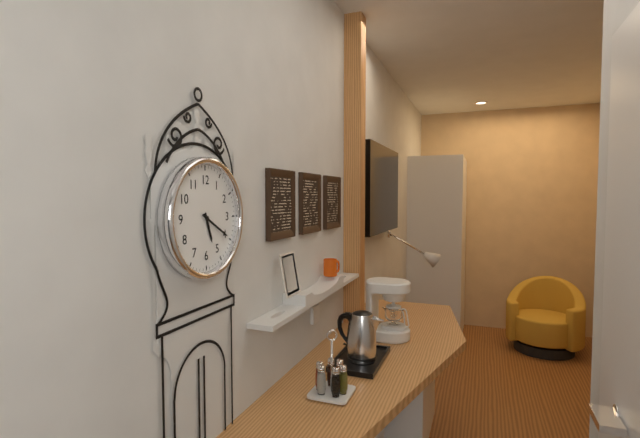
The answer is 5.20
